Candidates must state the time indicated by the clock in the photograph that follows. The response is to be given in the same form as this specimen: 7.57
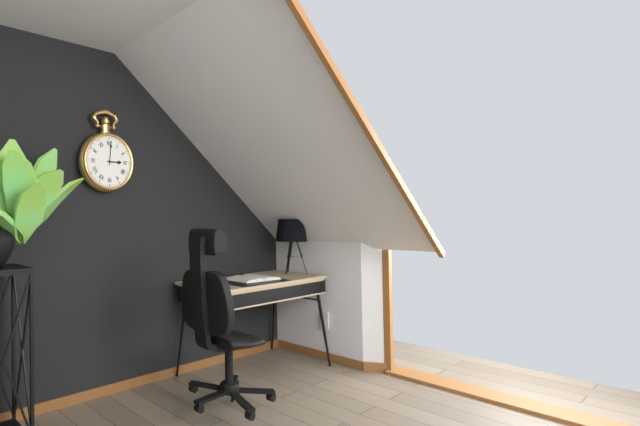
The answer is 3.01
